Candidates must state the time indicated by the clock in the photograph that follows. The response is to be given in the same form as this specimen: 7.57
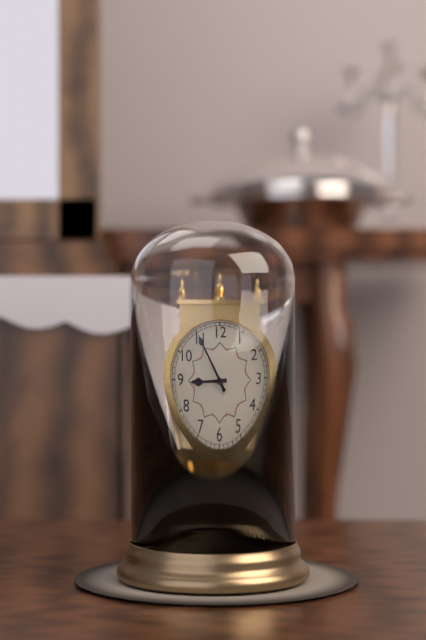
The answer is 8.55
